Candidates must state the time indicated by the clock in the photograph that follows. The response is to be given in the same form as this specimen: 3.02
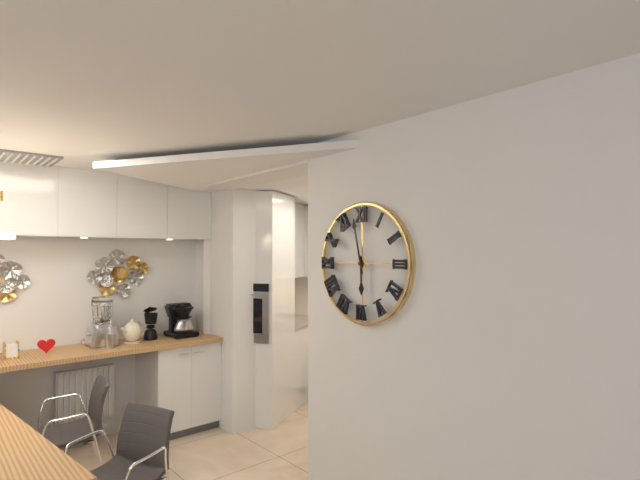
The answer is 5.58
